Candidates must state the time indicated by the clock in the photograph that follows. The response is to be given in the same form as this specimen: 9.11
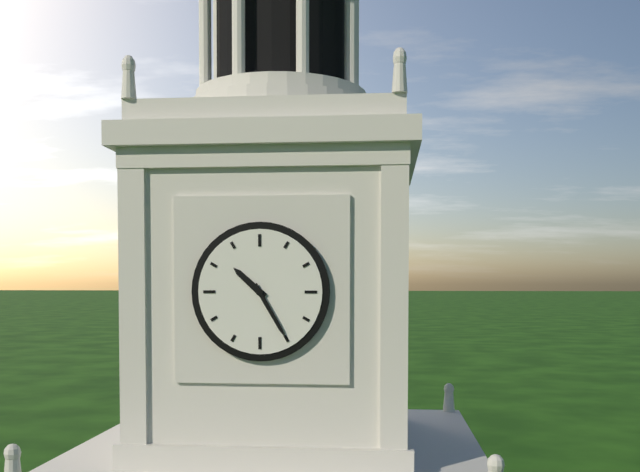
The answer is 10.25
